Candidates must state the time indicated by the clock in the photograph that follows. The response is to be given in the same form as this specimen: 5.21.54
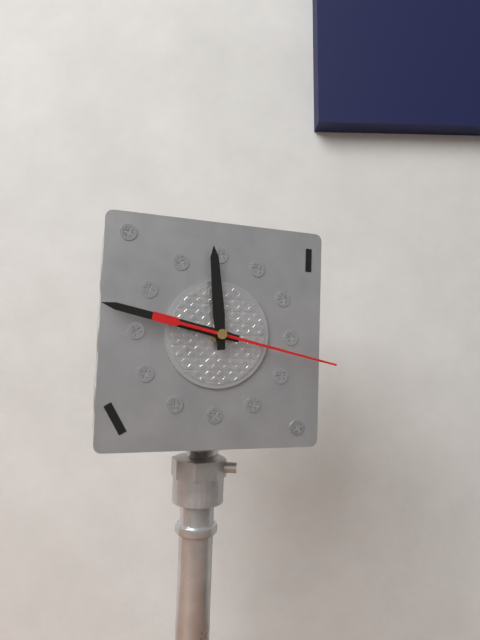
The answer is 11.47.17
